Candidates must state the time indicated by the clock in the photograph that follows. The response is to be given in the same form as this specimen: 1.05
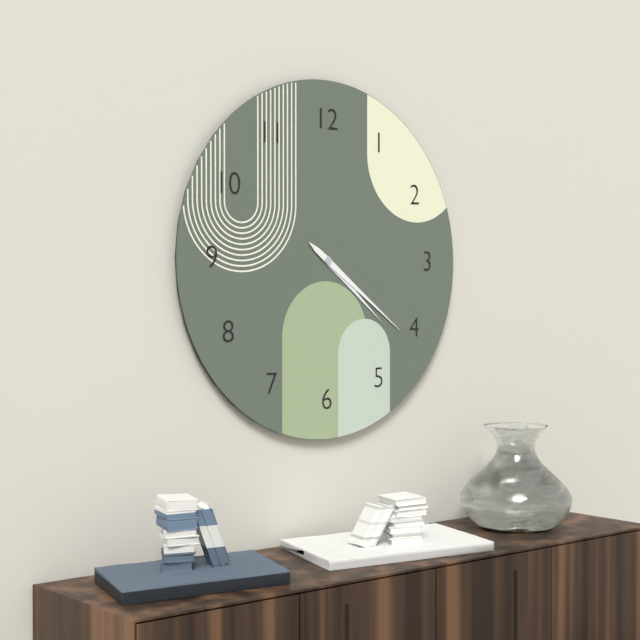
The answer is 4.21
